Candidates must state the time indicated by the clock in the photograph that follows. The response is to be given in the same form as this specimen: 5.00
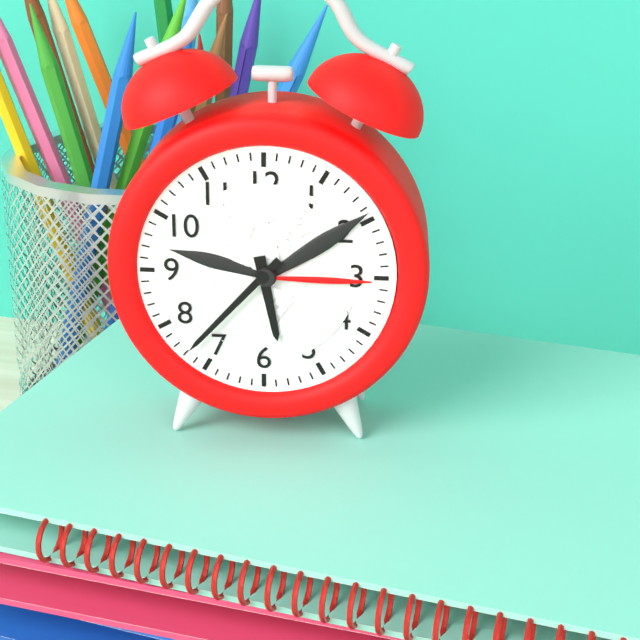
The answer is 5.37
